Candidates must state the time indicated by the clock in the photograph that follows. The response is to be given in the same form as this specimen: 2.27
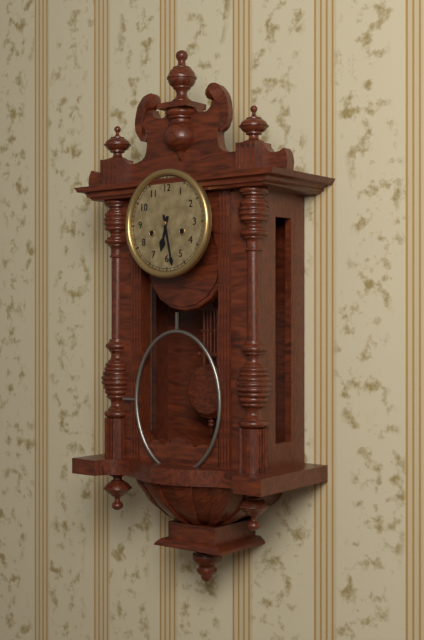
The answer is 6.28
